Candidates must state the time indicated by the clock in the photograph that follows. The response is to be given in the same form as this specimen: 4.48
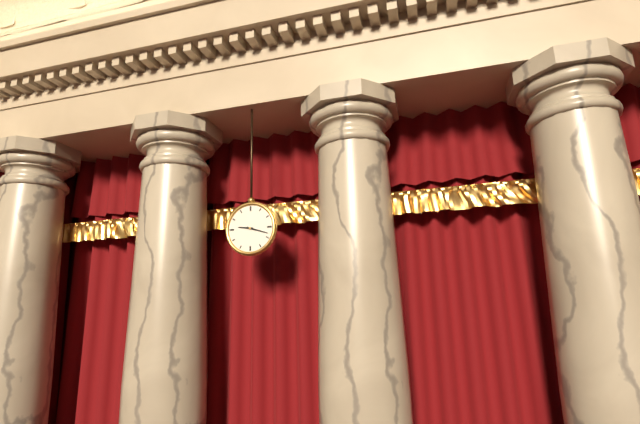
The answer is 9.18
